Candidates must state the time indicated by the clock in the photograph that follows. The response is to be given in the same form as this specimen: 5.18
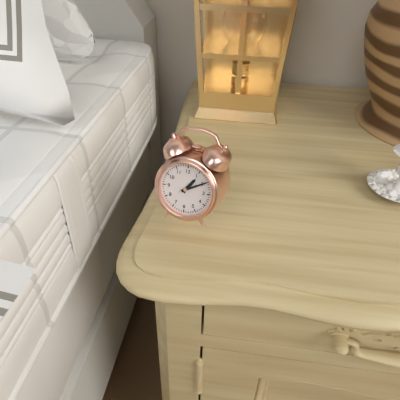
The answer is 1.10
